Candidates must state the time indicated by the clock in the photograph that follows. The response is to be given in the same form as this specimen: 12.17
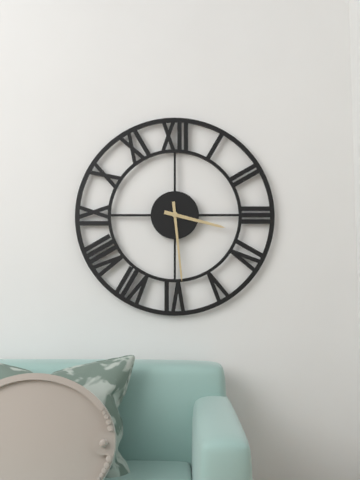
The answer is 3.29
